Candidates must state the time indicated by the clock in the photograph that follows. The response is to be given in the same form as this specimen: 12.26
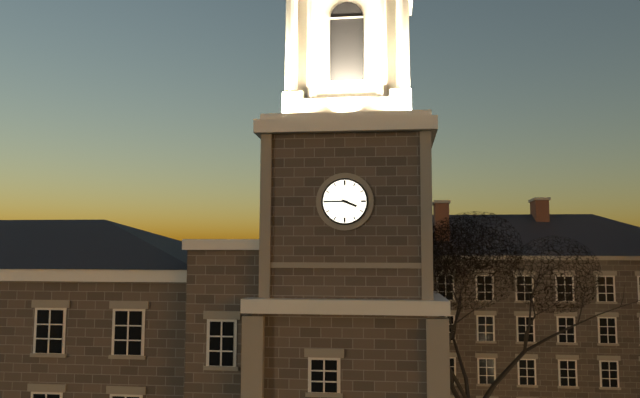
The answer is 3.45
